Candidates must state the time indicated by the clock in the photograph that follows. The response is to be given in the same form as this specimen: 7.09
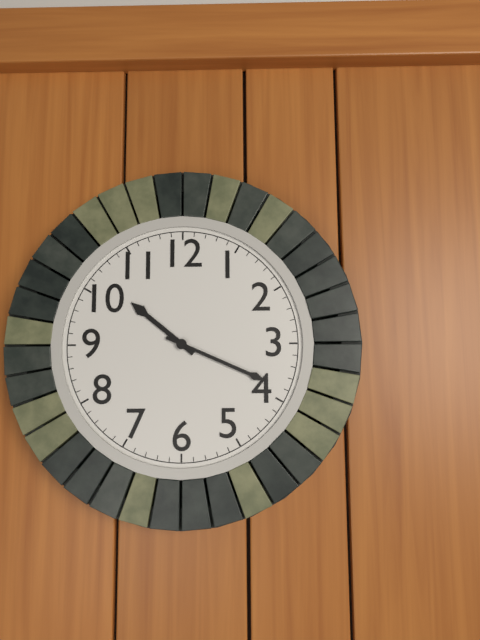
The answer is 10.19
